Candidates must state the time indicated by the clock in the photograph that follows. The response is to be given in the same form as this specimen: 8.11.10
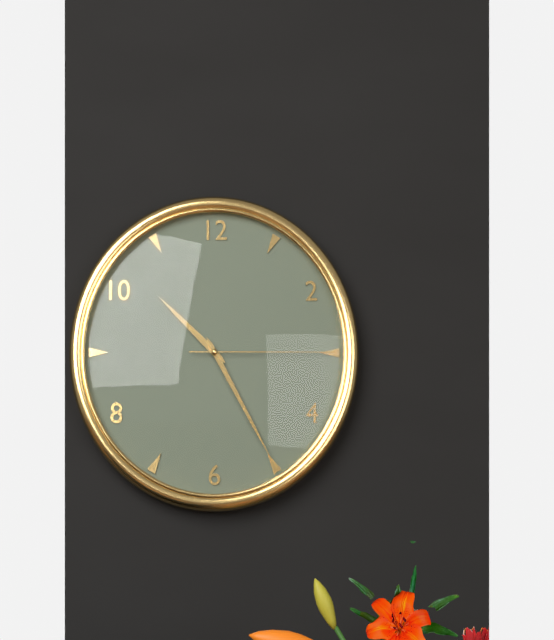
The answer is 10.25.15
